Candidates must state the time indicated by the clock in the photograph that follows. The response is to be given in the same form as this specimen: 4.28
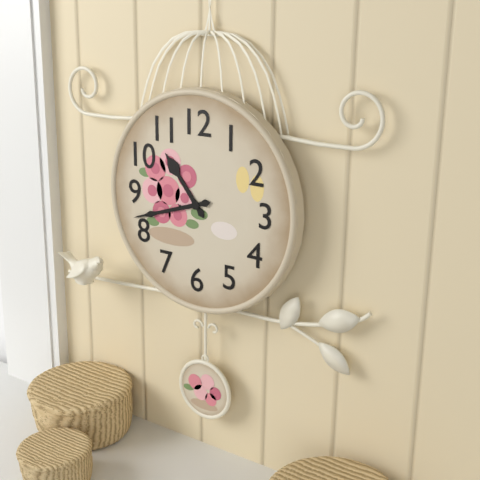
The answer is 10.42
